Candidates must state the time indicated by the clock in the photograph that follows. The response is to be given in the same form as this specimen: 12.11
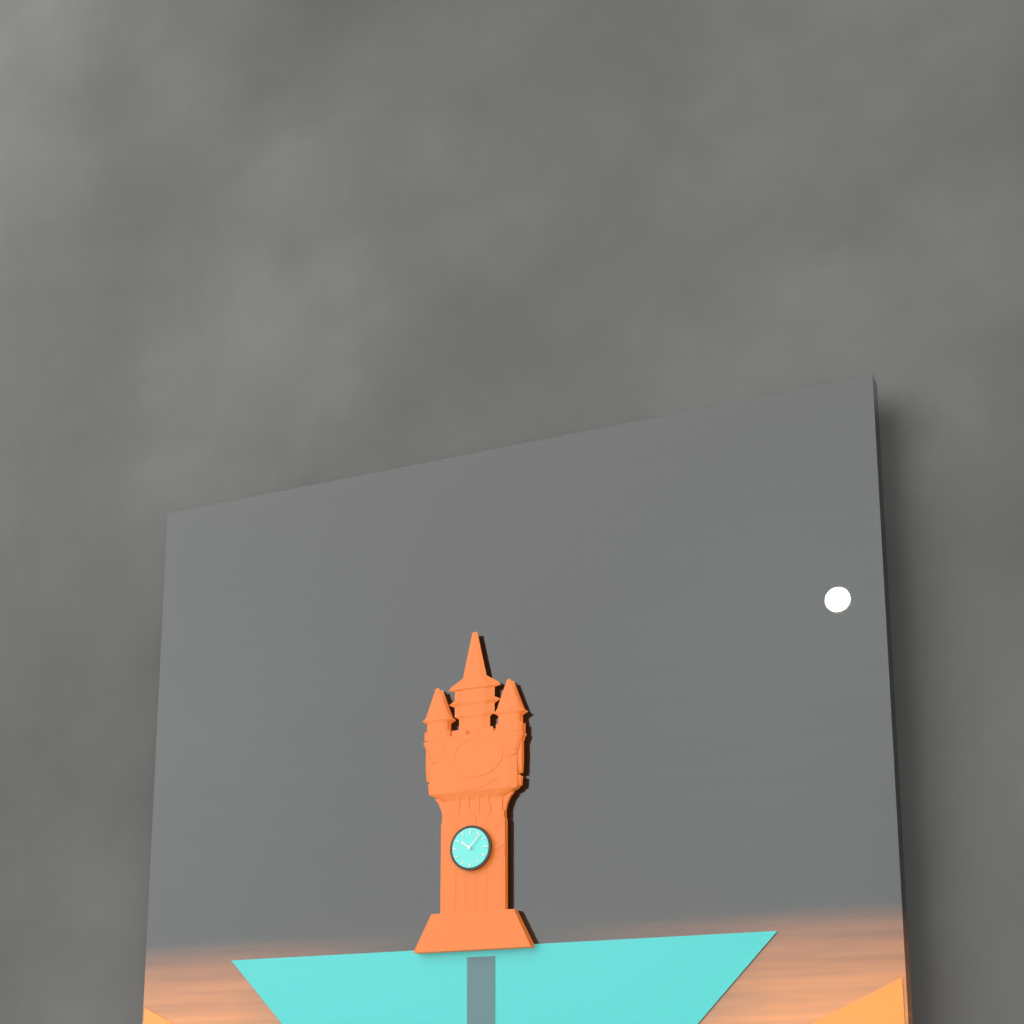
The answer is 10.07
